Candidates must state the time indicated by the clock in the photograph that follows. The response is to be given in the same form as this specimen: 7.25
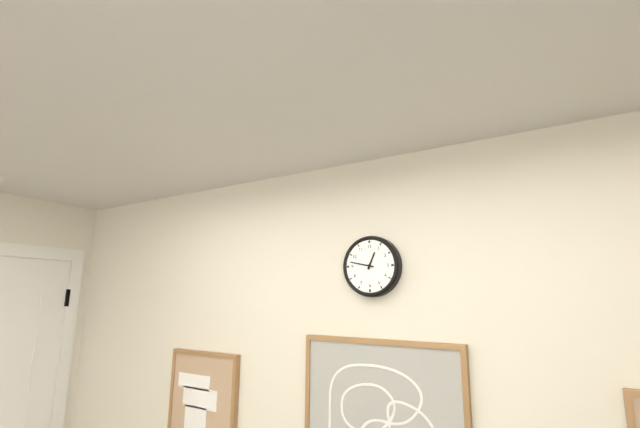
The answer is 12.47
